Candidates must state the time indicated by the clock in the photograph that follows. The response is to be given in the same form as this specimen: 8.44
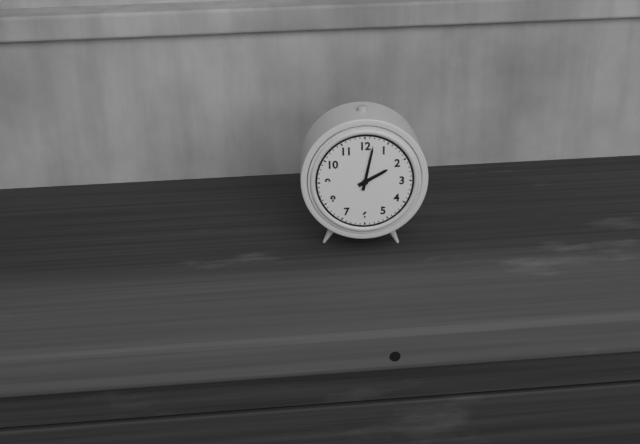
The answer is 2.02
